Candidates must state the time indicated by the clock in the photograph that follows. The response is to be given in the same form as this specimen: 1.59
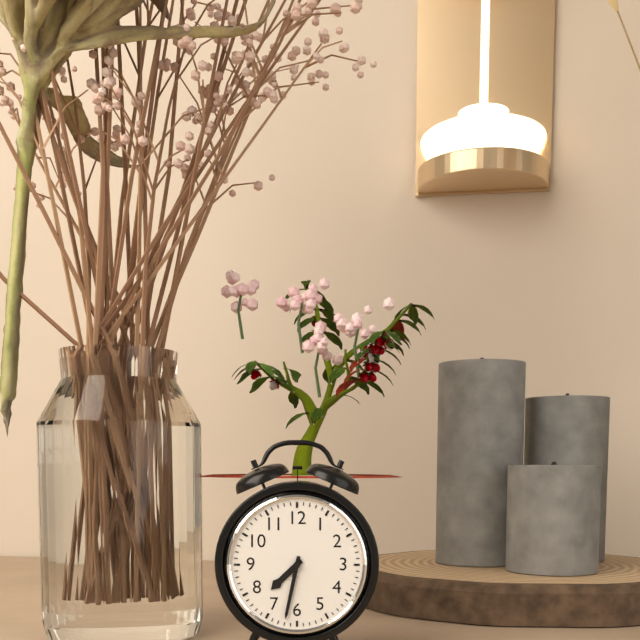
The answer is 7.32
